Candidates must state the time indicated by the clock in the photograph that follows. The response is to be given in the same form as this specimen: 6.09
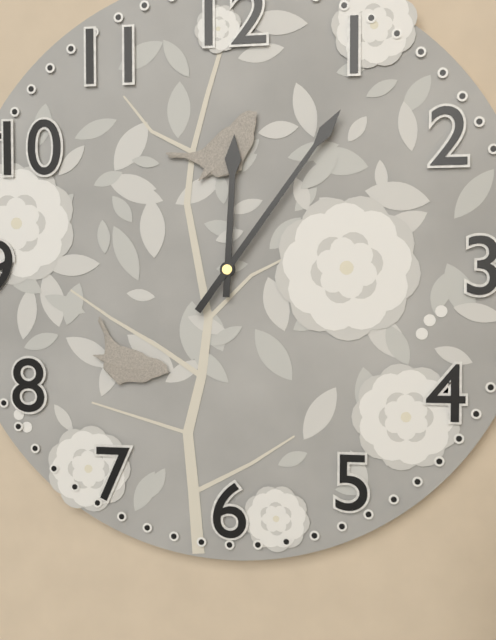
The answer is 12.06
